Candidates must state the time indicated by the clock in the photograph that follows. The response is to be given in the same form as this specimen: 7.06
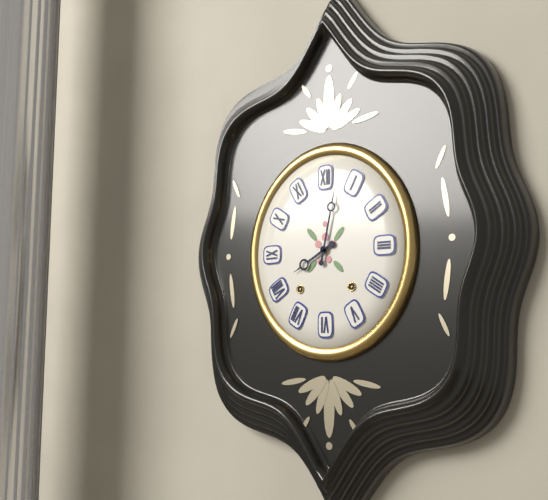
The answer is 8.02
